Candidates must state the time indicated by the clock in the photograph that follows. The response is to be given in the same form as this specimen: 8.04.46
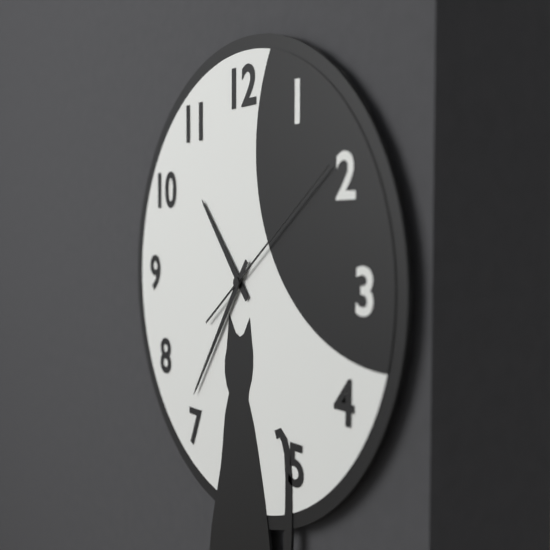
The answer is 10.36.09
